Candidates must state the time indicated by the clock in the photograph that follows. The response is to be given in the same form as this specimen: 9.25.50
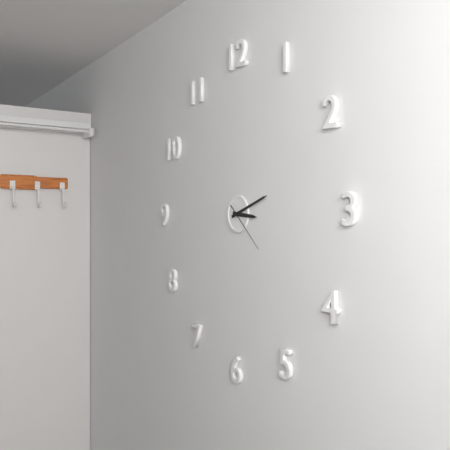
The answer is 3.12.22
